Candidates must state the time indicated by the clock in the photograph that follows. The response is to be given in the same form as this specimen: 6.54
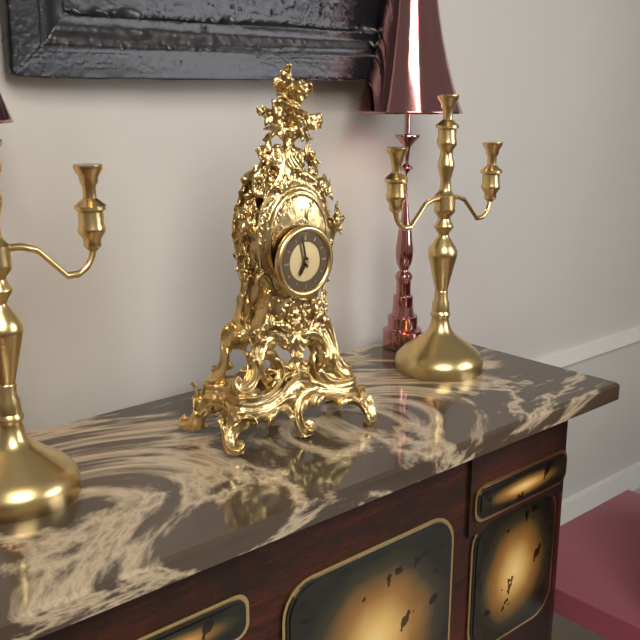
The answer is 6.58
